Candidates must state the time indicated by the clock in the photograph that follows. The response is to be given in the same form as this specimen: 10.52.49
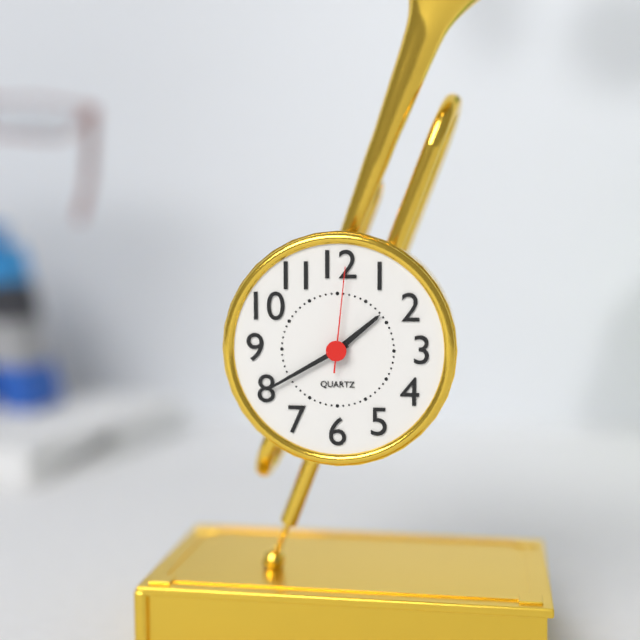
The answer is 1.40.01
